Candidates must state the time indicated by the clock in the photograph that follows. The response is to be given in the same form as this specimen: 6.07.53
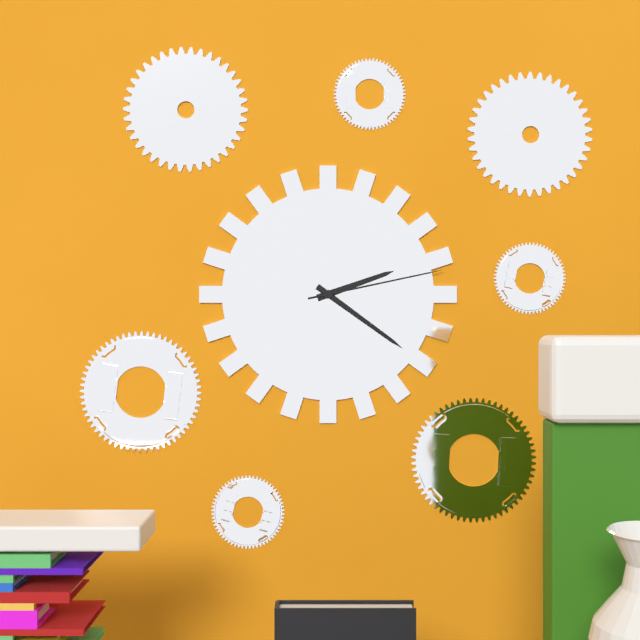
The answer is 2.21.13
